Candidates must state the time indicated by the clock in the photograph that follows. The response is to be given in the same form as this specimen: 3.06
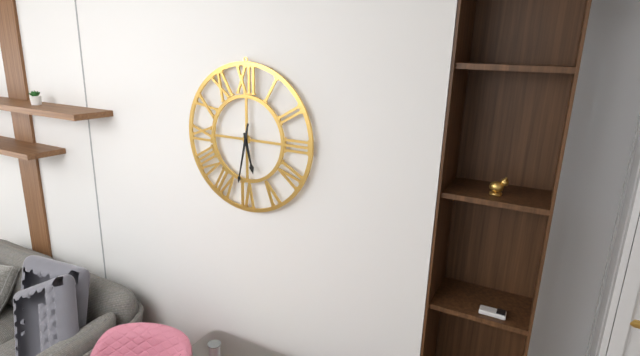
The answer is 5.32
